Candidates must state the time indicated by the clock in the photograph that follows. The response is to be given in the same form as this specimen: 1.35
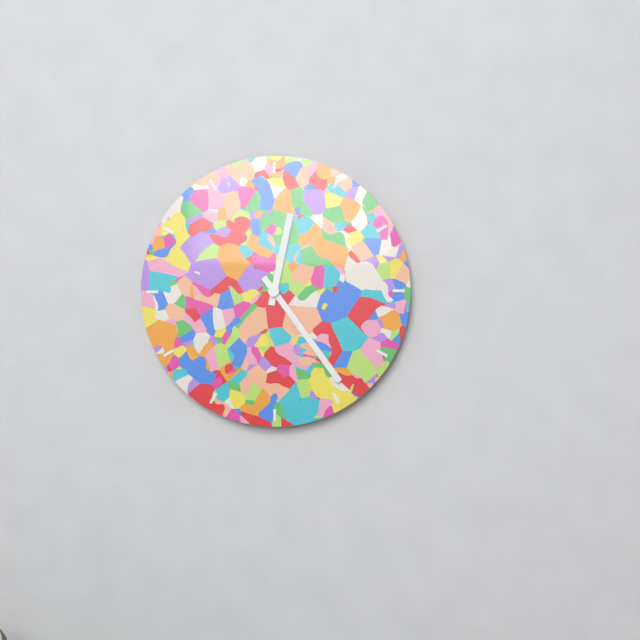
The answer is 12.24
